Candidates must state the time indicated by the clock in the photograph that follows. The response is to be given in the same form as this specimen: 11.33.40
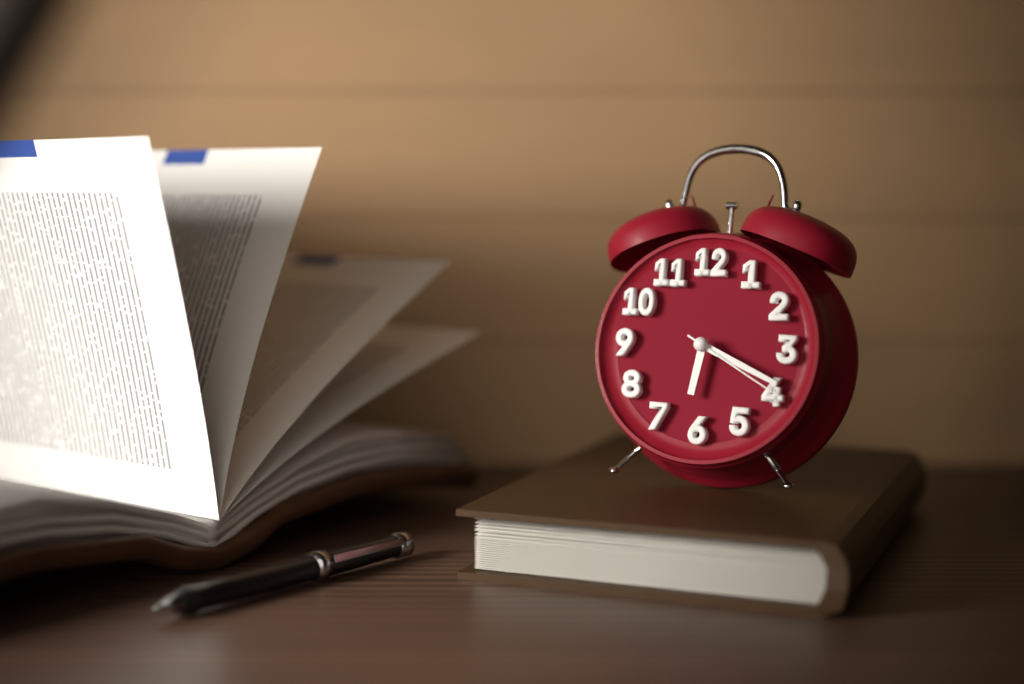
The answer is 6.19.20
